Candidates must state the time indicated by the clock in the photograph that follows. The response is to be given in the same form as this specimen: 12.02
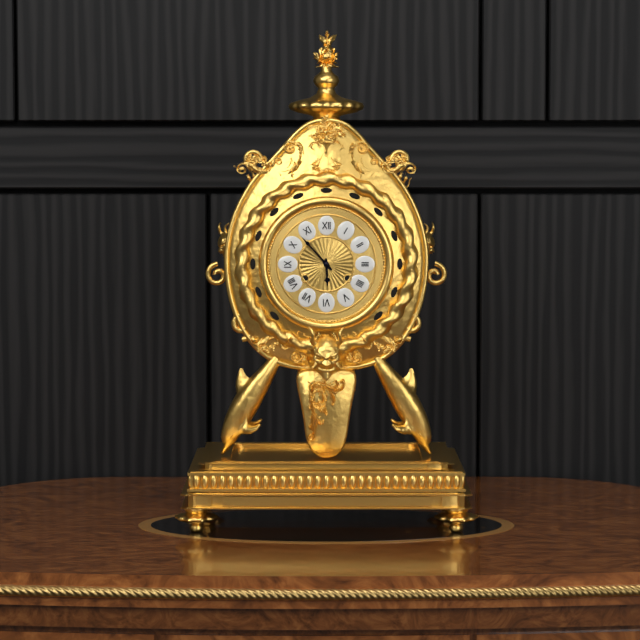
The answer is 5.53
